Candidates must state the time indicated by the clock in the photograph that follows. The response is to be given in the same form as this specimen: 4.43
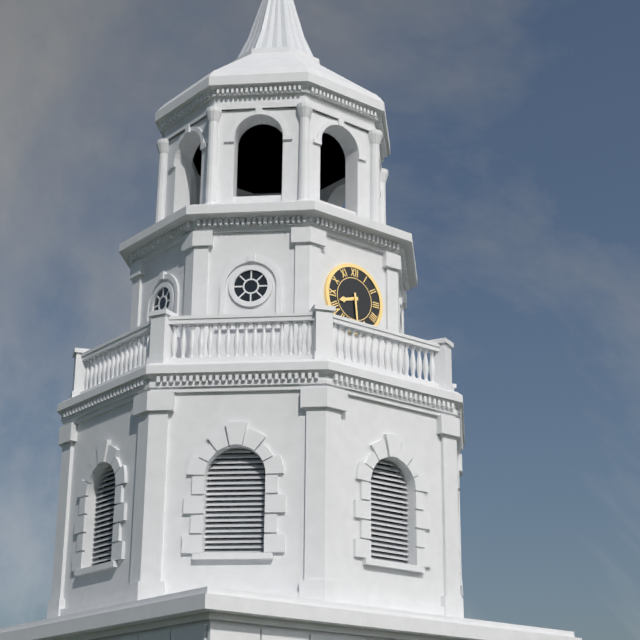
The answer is 8.29
